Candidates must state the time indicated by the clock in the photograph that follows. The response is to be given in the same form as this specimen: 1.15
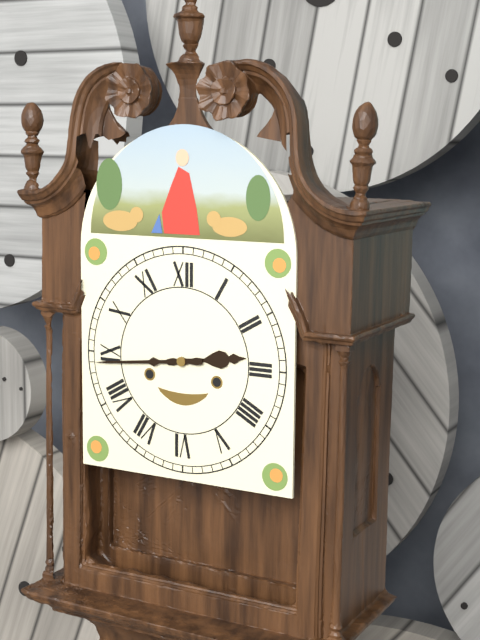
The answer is 2.44
